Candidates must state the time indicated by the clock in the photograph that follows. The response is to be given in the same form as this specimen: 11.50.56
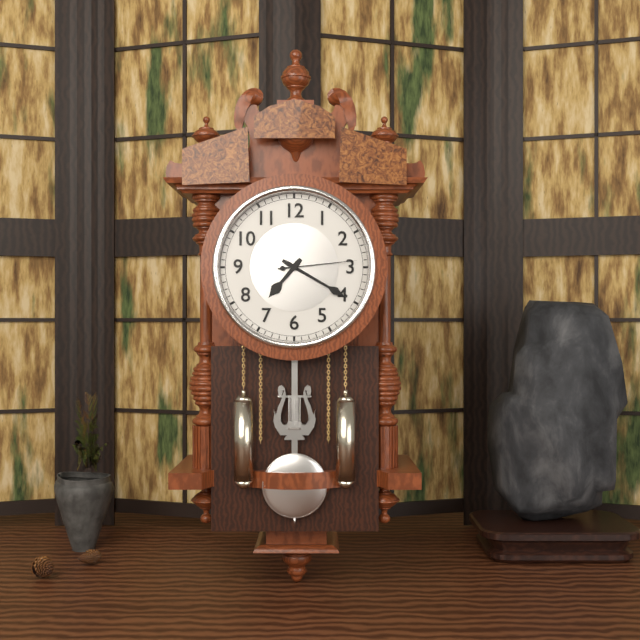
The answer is 7.20.14
